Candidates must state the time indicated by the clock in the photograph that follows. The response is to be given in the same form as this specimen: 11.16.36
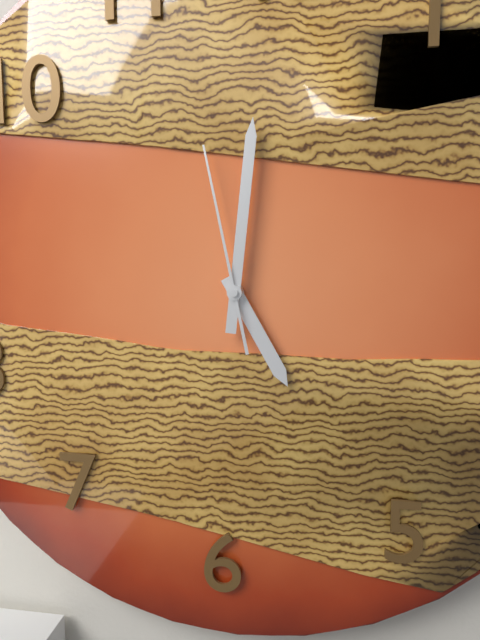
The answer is 5.01.58
